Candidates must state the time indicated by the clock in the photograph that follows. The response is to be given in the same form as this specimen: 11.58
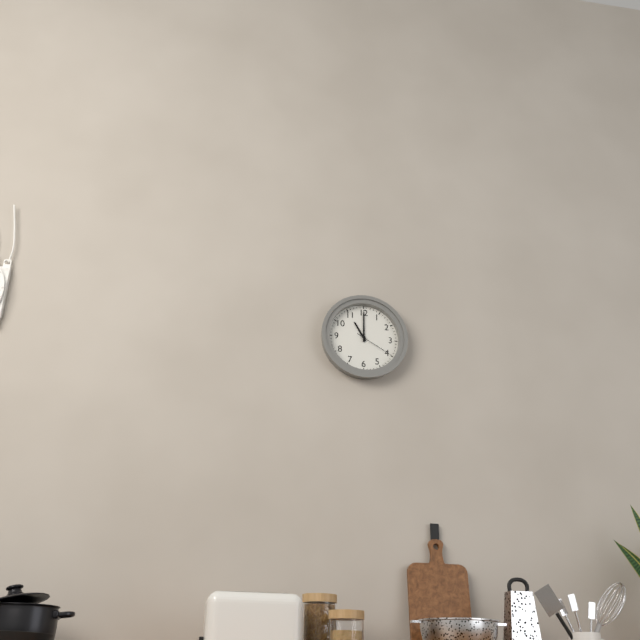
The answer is 11.00
